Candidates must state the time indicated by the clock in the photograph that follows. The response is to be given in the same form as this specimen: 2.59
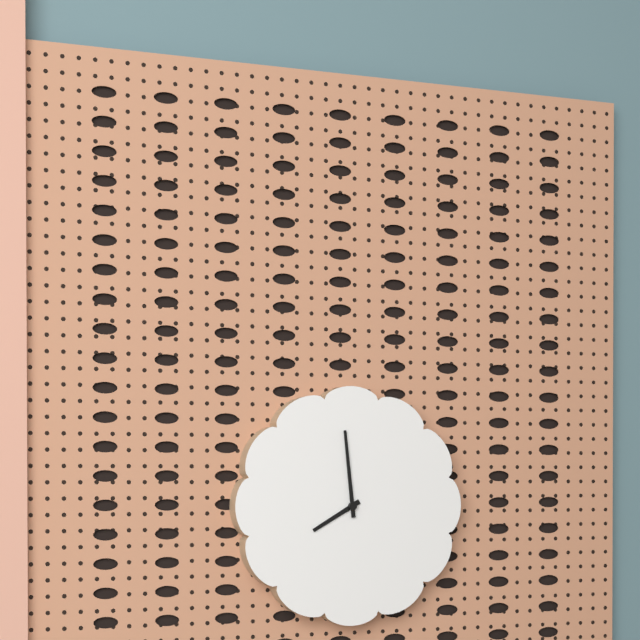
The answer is 7.59
